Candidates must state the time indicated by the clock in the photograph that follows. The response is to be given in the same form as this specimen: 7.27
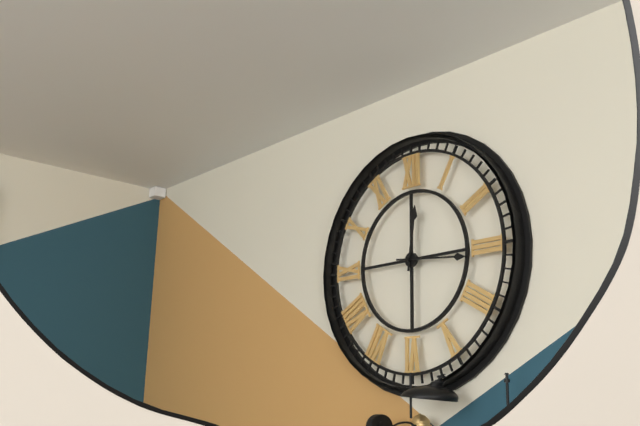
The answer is 12.16
